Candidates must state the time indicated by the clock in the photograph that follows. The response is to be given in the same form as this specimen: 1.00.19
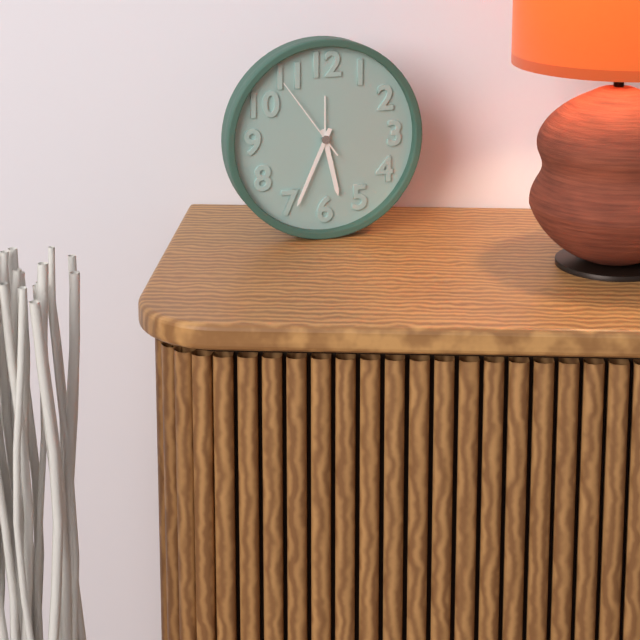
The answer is 5.34.54
